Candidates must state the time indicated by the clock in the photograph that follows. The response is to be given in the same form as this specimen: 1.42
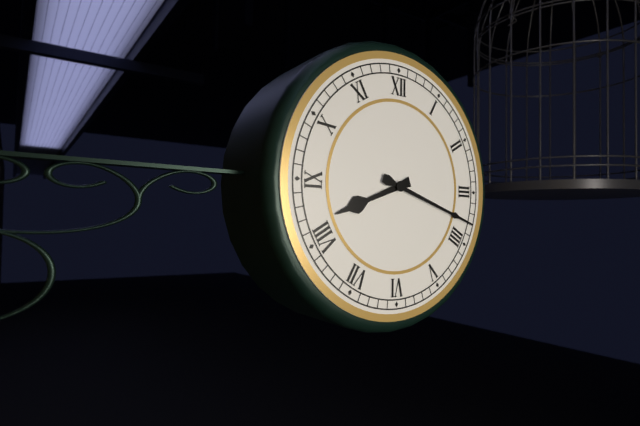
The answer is 8.18
